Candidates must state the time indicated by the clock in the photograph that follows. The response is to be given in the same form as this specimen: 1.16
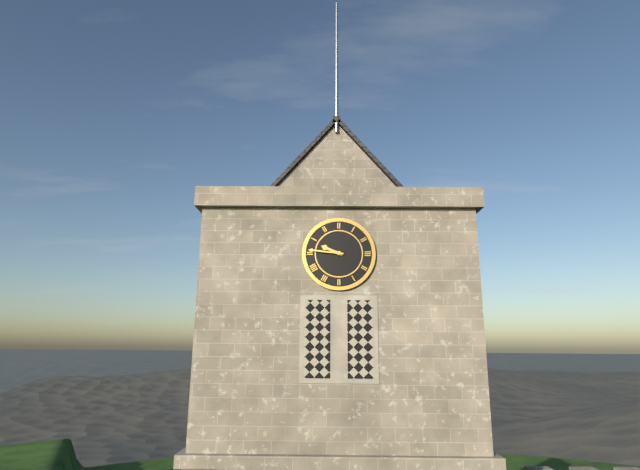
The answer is 9.46
